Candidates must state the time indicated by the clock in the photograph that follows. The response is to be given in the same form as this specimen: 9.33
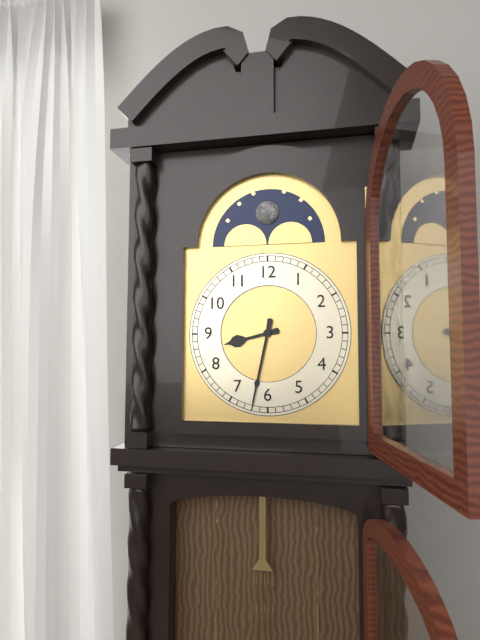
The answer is 8.32
